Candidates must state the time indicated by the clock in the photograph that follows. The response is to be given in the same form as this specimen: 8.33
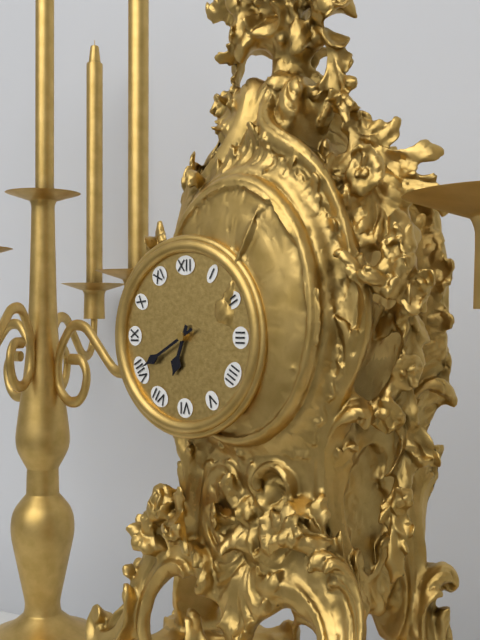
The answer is 6.40
